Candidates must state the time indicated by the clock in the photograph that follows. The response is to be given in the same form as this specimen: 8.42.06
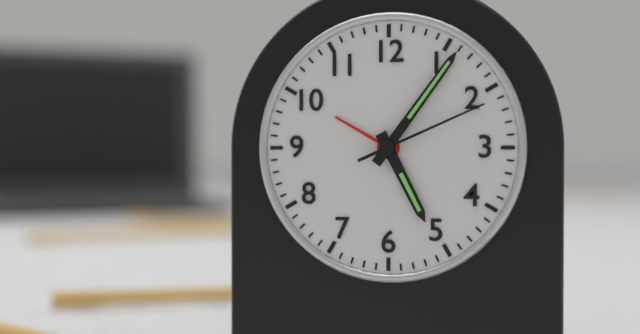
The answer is 5.06.11
